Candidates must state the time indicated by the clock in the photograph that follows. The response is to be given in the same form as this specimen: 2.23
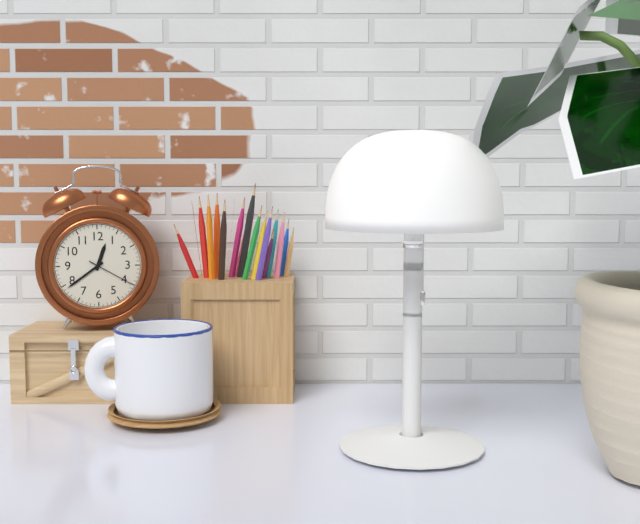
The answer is 12.39
